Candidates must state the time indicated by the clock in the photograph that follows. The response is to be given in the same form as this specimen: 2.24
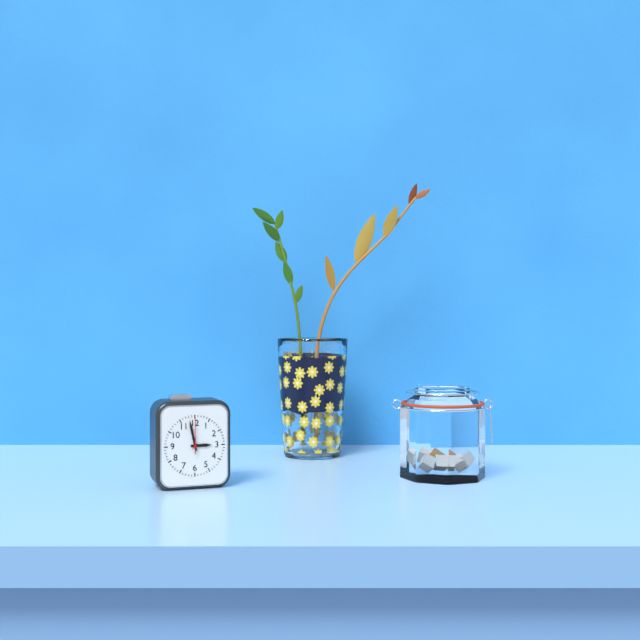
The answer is 2.58
